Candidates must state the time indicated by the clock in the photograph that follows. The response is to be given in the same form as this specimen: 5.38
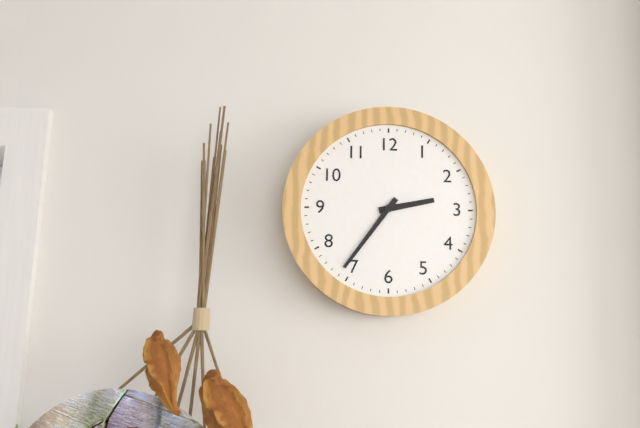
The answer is 2.36
